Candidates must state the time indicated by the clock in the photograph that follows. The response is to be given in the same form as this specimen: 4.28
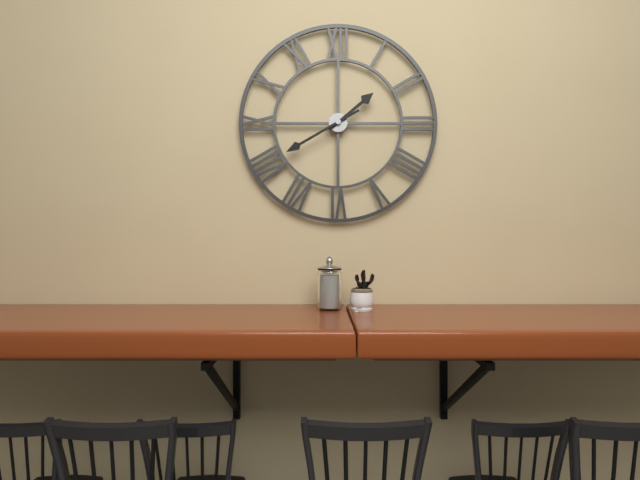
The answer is 1.40
